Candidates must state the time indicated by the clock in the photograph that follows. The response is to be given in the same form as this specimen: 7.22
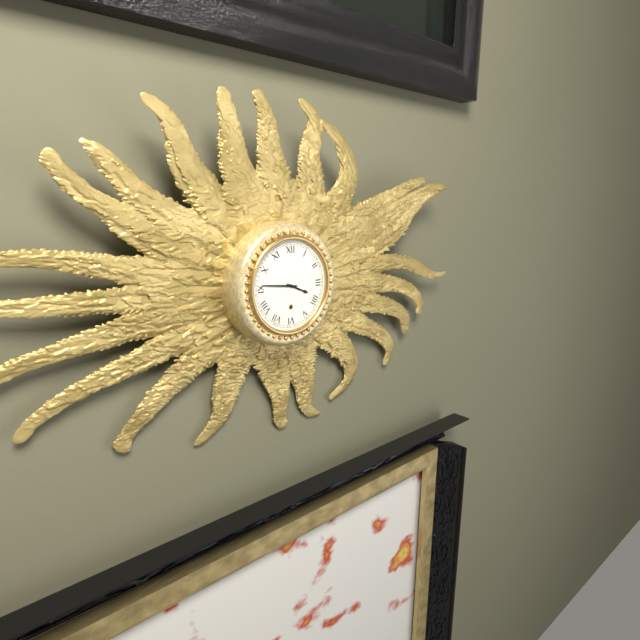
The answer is 3.46
